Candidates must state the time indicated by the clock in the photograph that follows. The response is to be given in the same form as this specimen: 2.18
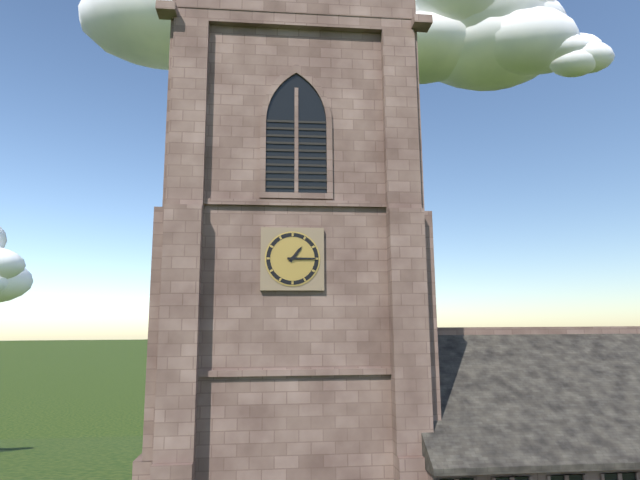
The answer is 1.15
